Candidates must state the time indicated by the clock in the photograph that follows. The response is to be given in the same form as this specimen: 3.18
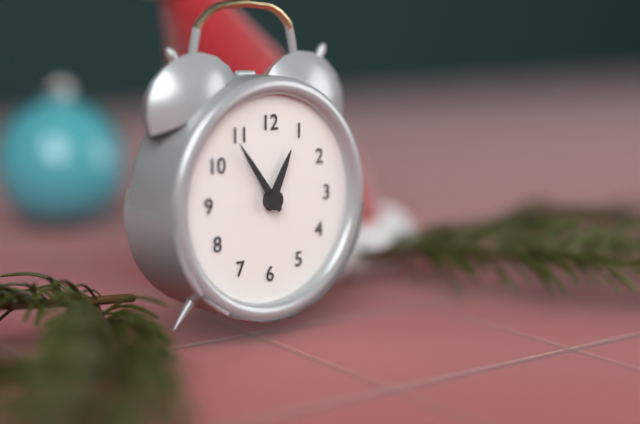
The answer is 12.54
